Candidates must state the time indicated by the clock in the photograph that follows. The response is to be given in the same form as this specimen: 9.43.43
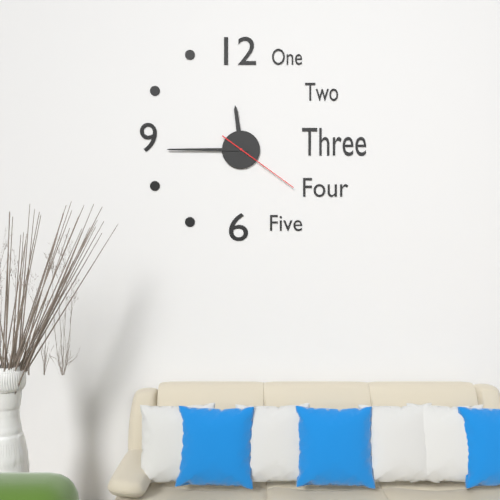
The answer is 11.45.21
